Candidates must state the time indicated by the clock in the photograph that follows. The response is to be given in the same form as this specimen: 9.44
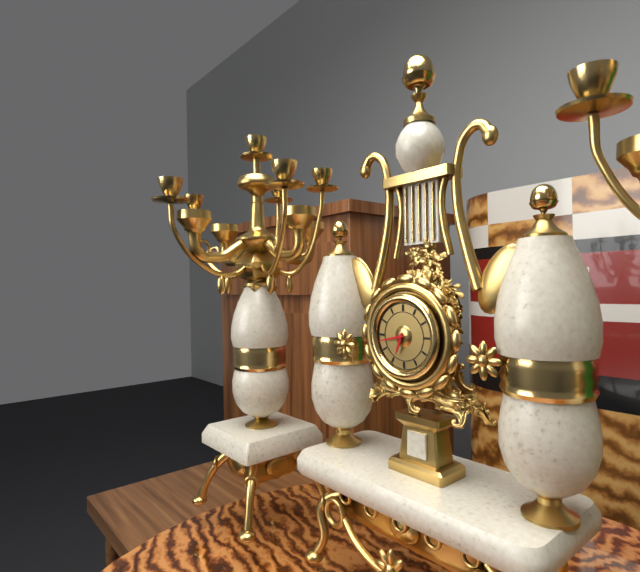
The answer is 6.43
